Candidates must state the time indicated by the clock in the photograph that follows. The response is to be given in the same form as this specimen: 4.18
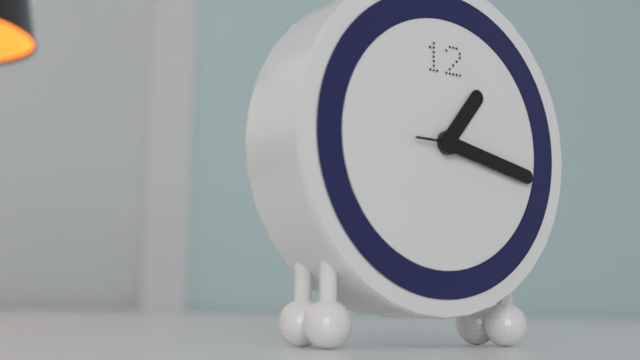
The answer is 1.17
